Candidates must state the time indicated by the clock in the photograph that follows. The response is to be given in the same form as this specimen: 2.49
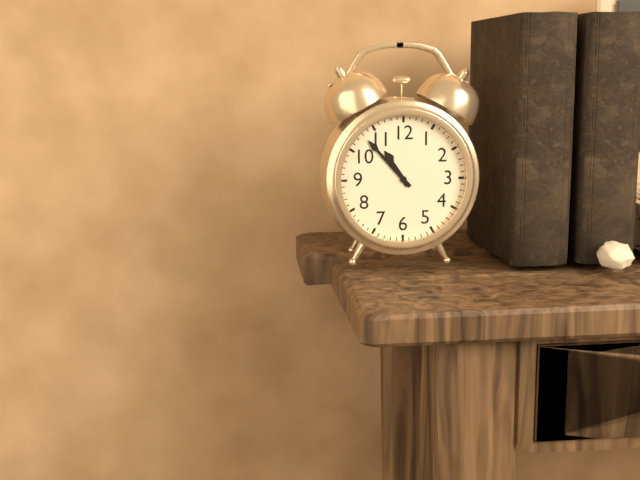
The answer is 10.53
